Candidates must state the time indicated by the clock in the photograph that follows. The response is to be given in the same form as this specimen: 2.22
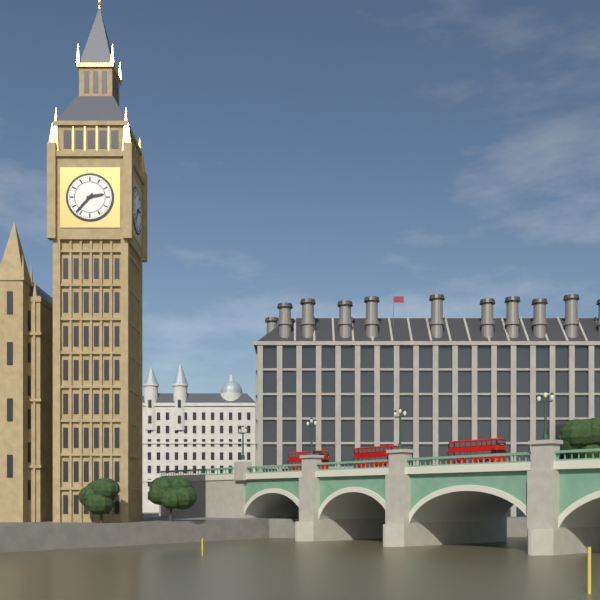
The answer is 2.37
